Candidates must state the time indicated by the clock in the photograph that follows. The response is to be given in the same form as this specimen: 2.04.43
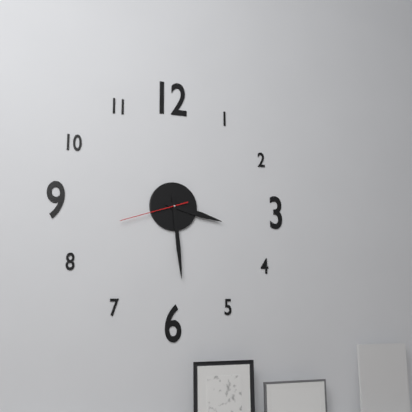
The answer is 3.29.42
